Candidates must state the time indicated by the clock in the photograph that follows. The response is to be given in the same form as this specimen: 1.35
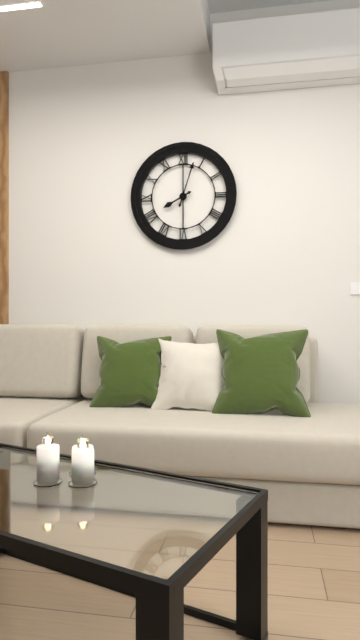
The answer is 8.03
